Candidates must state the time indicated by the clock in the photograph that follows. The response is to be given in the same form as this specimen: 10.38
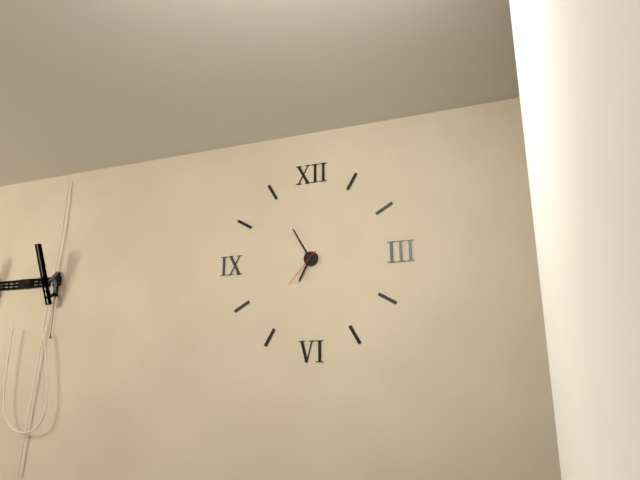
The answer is 6.55
